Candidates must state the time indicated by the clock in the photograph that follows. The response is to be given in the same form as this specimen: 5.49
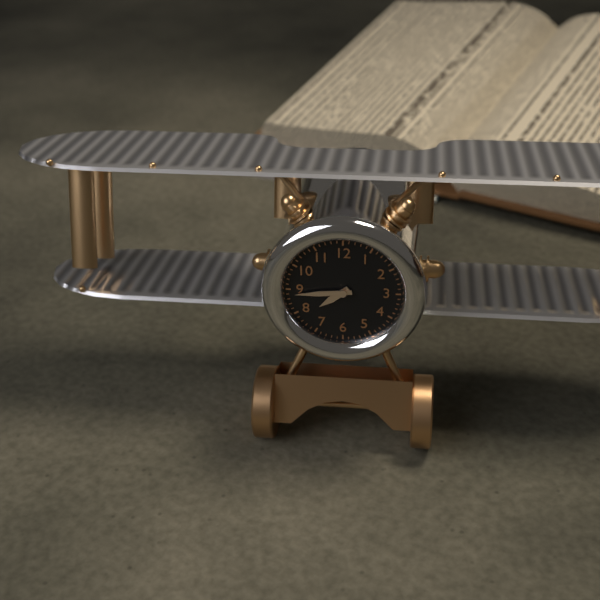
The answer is 7.44
